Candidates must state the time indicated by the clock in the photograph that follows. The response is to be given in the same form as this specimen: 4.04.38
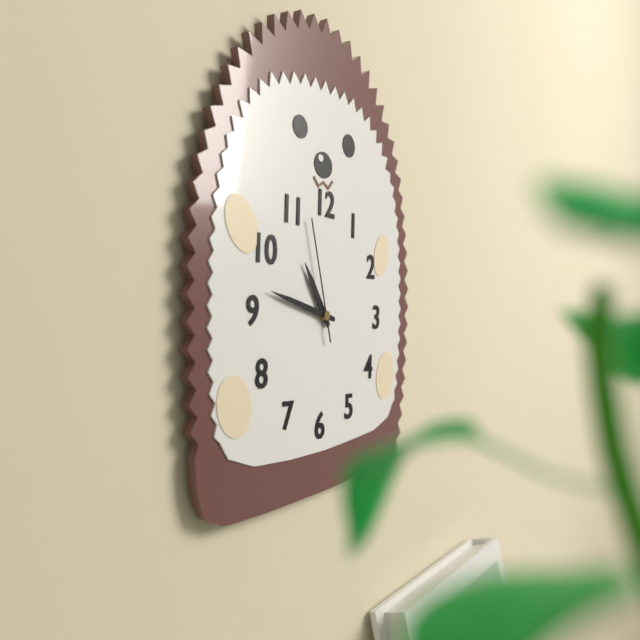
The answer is 10.47.57
